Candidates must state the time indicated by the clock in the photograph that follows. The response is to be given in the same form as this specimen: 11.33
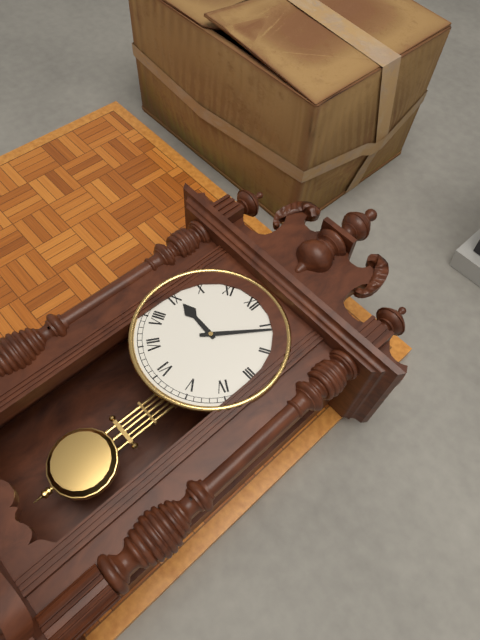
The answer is 9.06
